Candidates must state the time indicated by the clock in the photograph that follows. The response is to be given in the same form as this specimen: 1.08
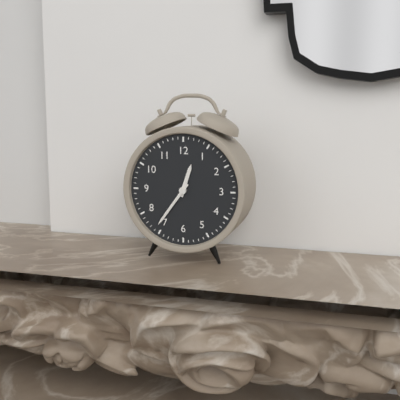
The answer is 12.36
